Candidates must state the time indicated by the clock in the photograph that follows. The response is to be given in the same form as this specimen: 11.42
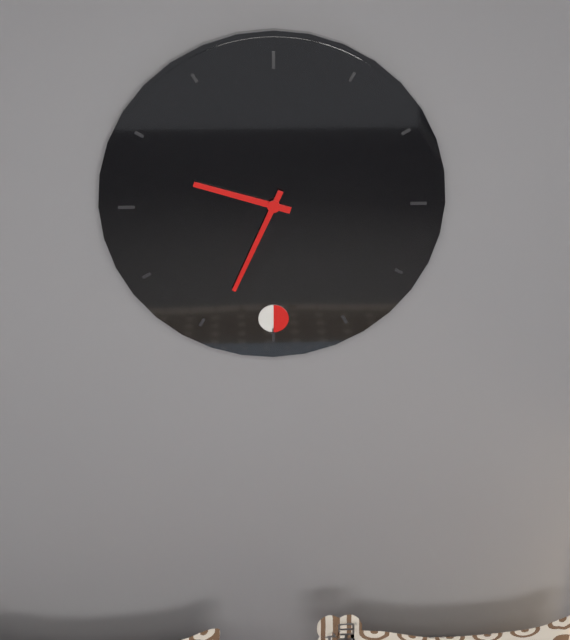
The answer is 9.34
